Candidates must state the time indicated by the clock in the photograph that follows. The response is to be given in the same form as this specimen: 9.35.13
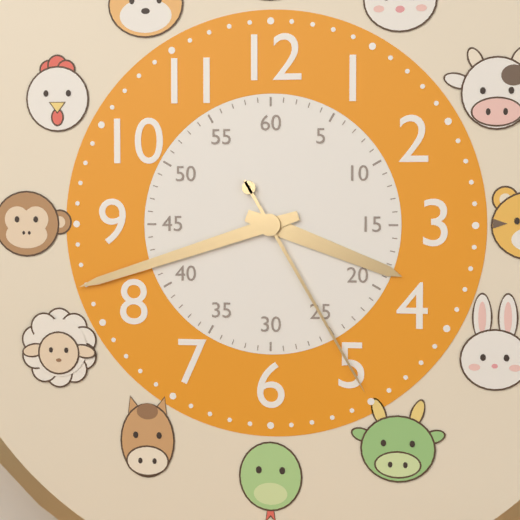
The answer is 3.42.25
